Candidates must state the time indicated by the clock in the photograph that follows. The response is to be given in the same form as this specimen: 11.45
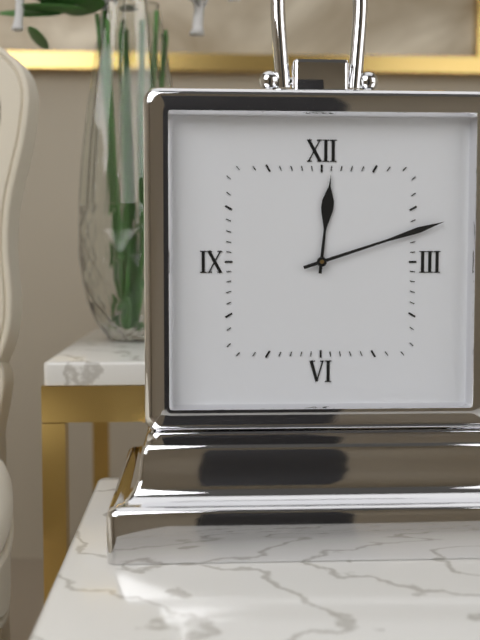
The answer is 12.12
